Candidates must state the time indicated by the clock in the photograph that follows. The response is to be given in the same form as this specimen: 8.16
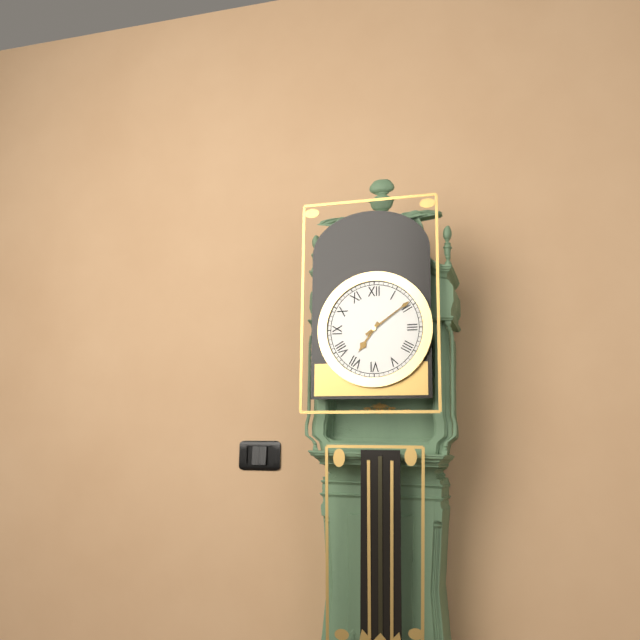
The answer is 7.09
